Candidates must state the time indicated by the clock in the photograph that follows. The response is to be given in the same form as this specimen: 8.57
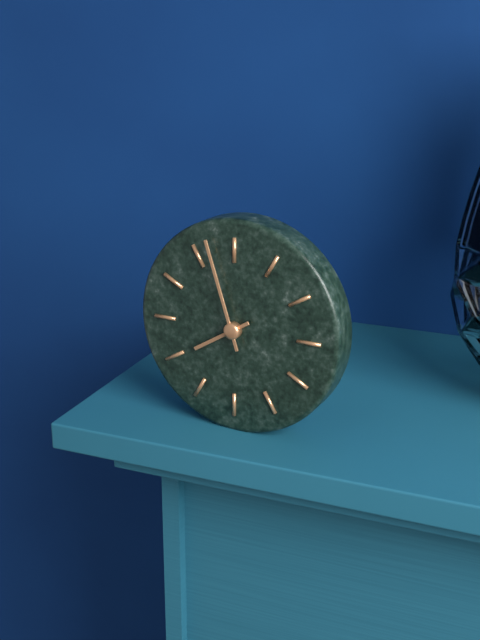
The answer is 7.57
